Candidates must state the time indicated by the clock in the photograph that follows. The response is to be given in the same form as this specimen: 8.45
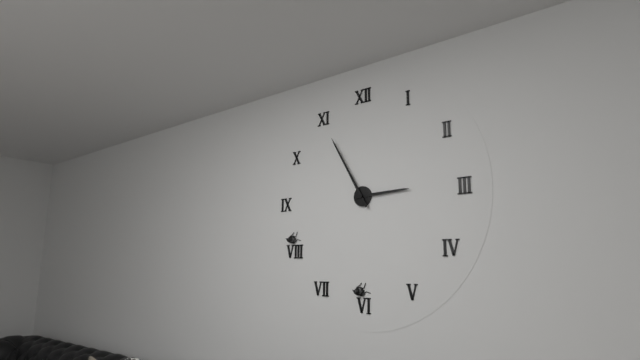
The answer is 2.55
